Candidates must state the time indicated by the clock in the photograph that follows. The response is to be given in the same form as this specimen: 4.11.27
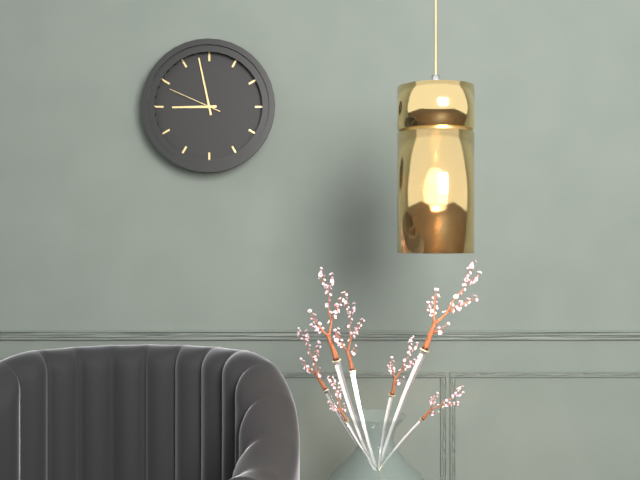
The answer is 8.58.49
